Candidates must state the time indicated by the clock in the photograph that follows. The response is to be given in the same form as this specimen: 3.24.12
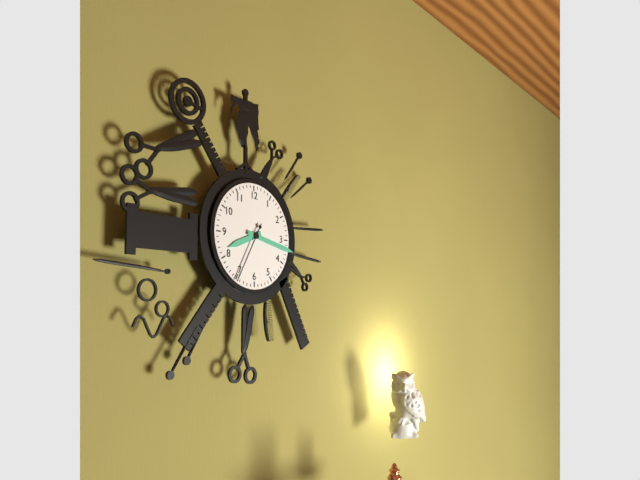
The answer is 8.17.35
